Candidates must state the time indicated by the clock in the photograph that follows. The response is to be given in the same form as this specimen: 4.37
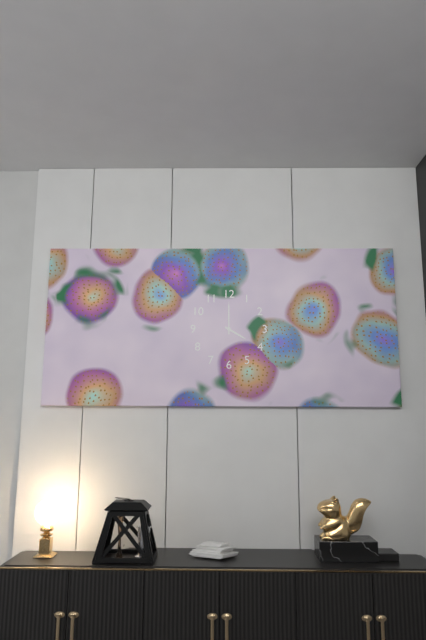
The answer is 4.00
